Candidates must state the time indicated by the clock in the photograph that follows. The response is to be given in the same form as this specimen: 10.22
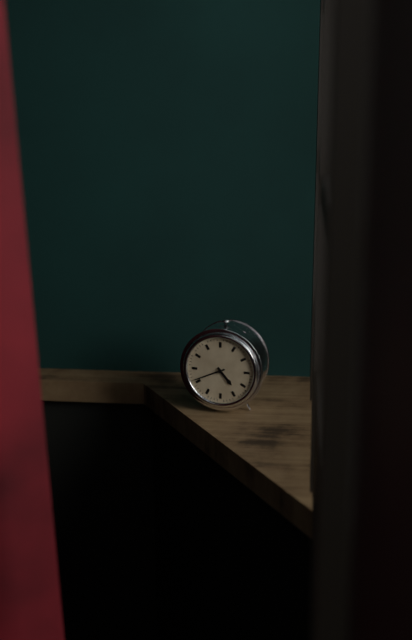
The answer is 4.41
